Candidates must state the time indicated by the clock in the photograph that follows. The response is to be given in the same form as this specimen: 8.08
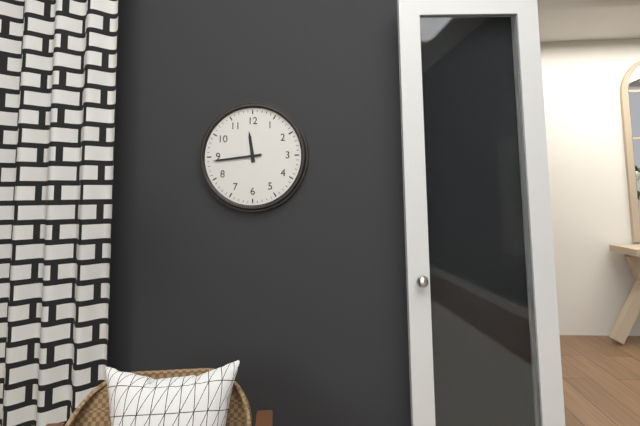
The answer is 11.44
